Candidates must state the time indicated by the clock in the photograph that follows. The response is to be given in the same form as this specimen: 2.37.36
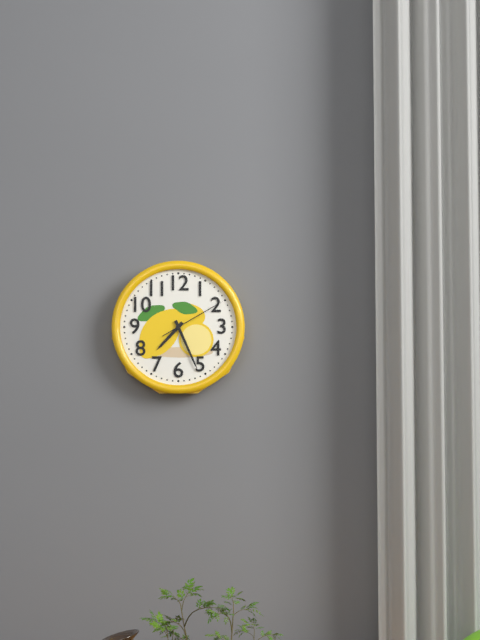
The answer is 7.26.10
